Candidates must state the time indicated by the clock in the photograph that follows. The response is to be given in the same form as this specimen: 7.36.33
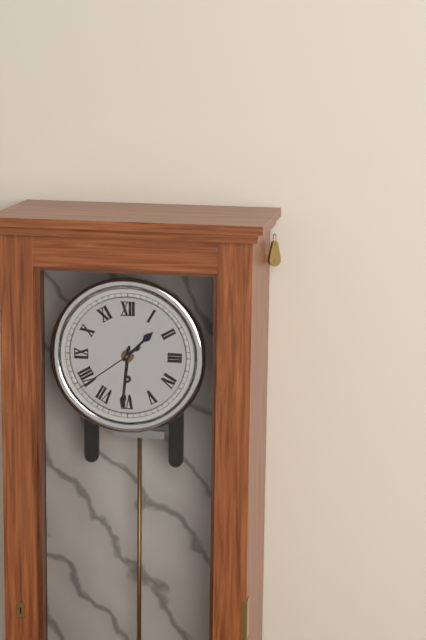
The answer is 1.31.39
